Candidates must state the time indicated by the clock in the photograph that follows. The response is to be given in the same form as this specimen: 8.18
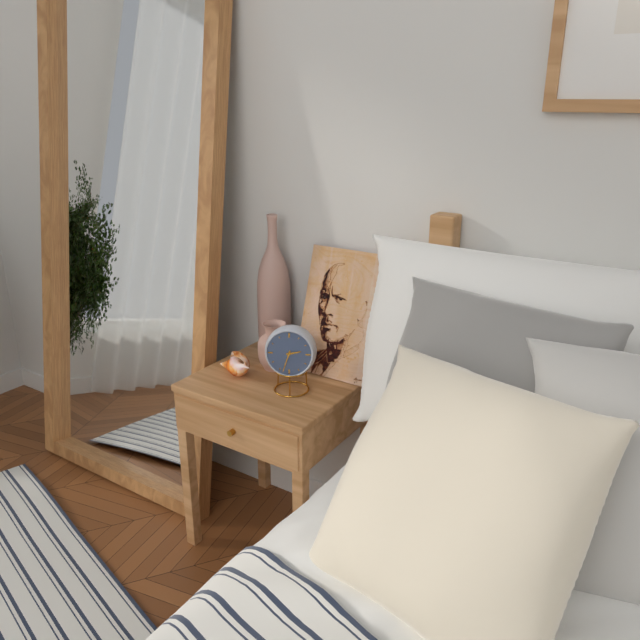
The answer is 2.33
